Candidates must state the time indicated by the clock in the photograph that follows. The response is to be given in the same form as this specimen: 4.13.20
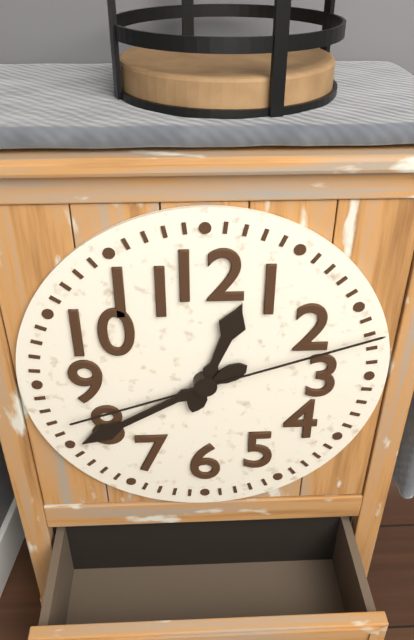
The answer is 12.40.12
